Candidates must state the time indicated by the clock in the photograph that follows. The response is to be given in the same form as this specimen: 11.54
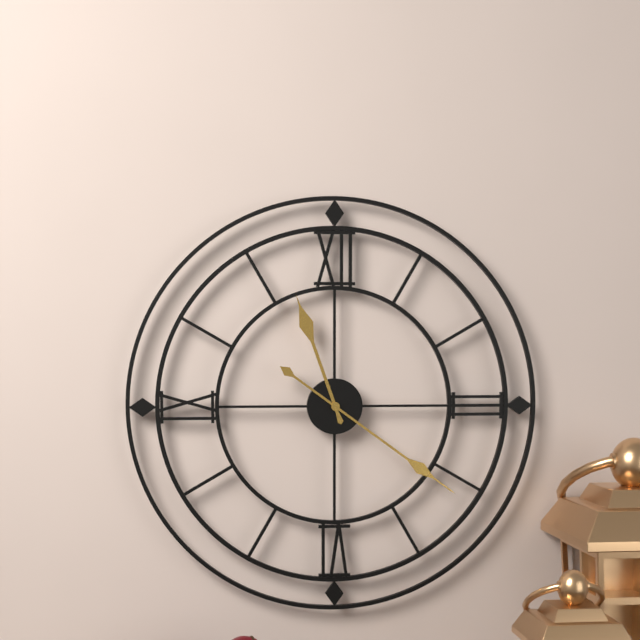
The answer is 11.21
